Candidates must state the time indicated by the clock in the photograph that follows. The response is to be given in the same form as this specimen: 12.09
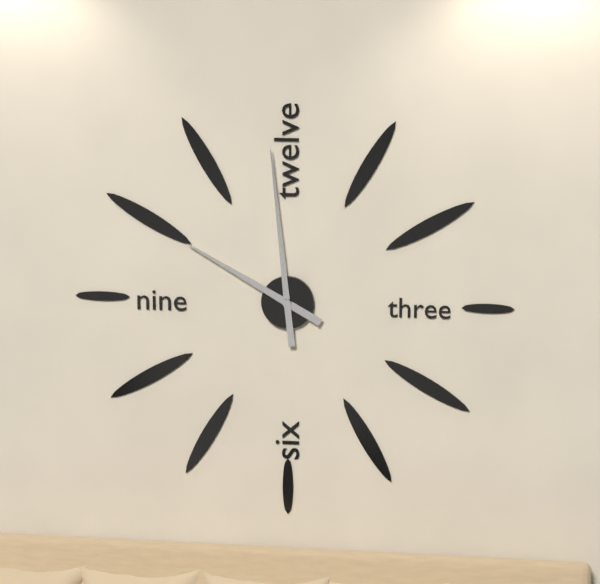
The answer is 9.59
